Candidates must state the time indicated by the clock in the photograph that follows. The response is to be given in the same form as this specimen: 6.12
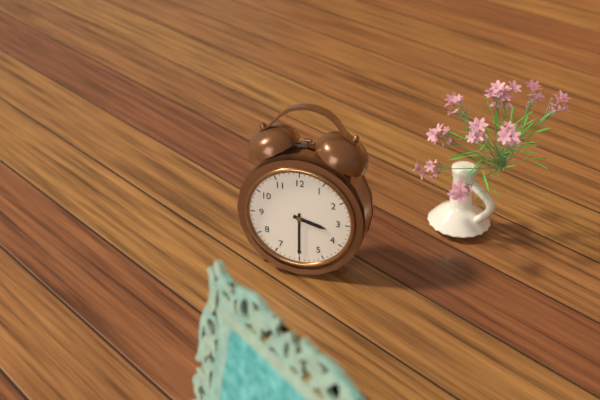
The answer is 3.30
